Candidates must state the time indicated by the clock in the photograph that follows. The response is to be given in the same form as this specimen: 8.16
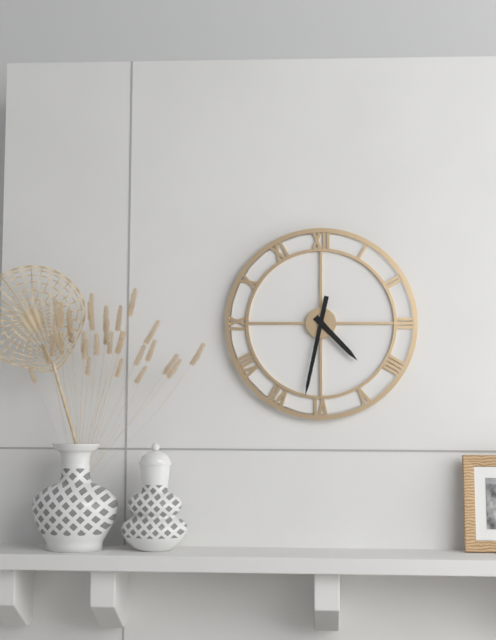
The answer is 4.32
